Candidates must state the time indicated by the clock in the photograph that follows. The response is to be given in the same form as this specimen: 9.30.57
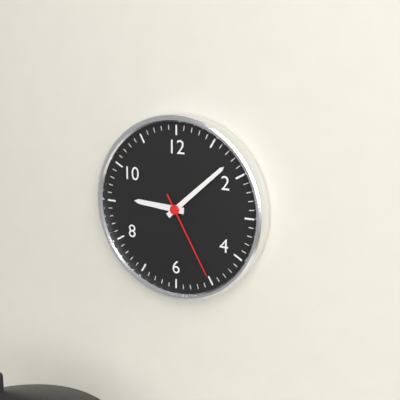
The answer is 9.08.25
